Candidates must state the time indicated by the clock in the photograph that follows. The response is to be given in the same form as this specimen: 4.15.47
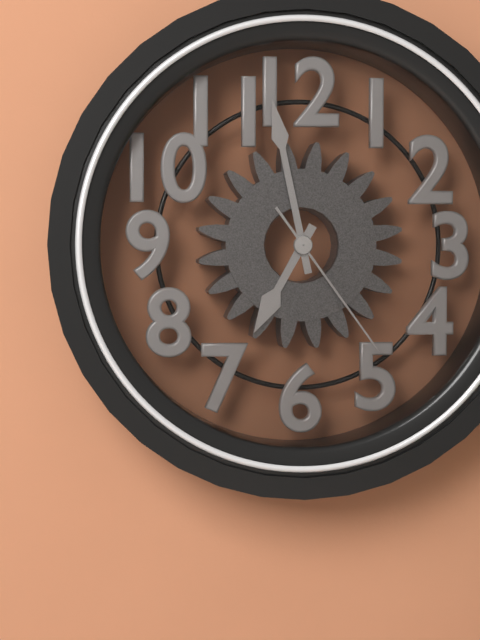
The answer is 6.58.24
